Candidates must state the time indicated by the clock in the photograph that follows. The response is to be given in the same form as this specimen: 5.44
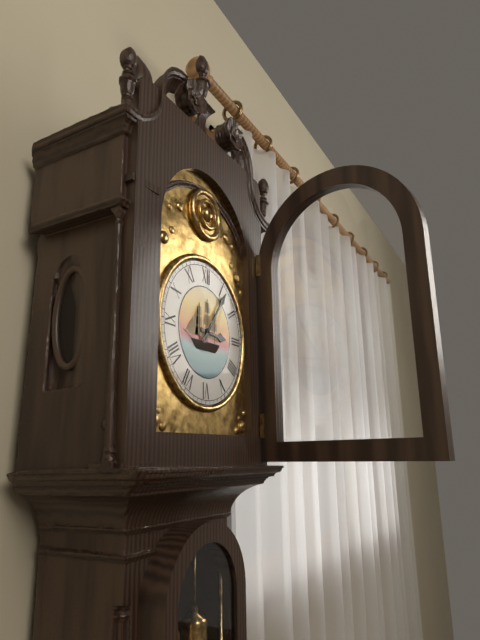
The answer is 3.06
